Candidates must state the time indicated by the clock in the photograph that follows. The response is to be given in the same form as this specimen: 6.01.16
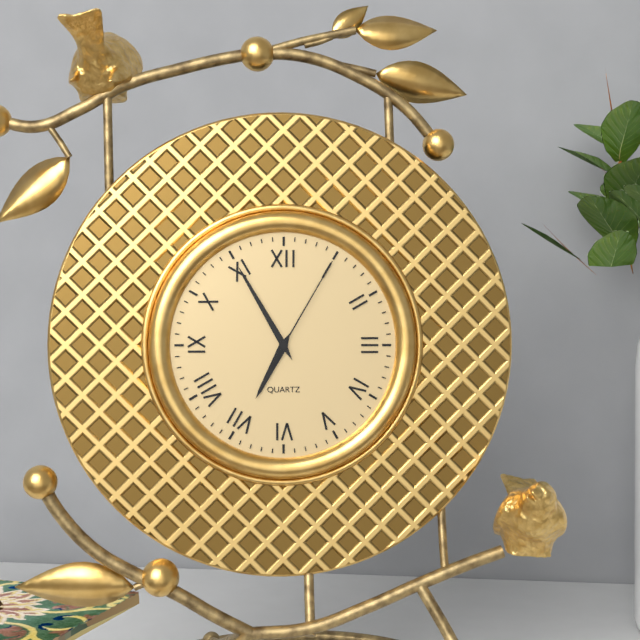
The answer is 6.55.05
